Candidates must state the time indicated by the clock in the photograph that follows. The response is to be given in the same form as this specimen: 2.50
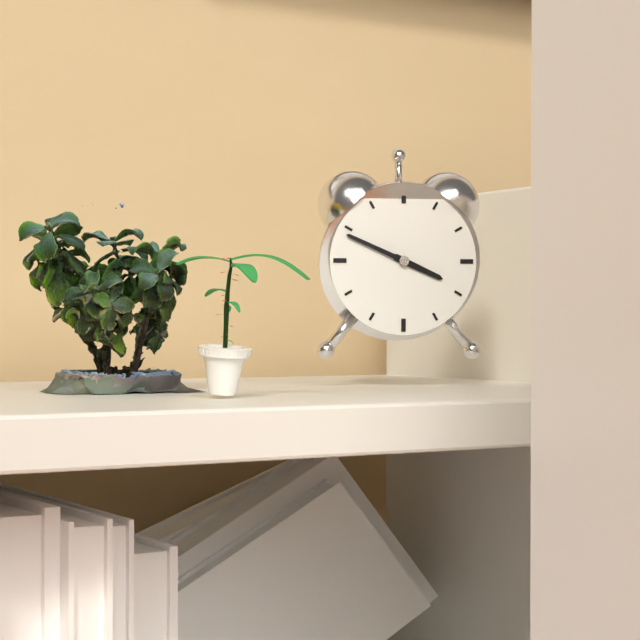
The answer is 3.49
